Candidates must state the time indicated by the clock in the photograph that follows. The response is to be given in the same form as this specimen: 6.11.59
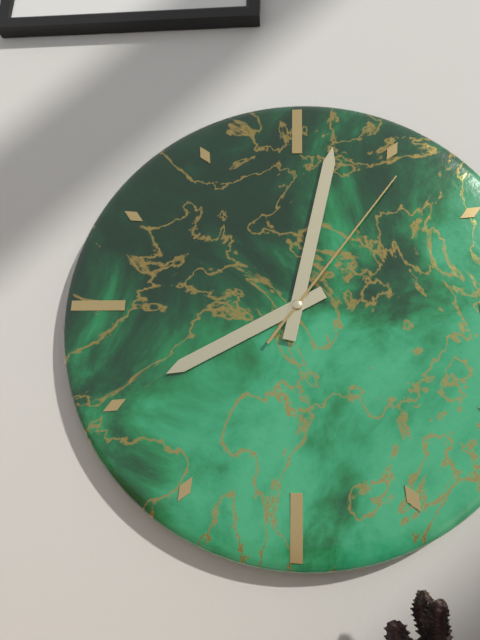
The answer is 8.02.06
